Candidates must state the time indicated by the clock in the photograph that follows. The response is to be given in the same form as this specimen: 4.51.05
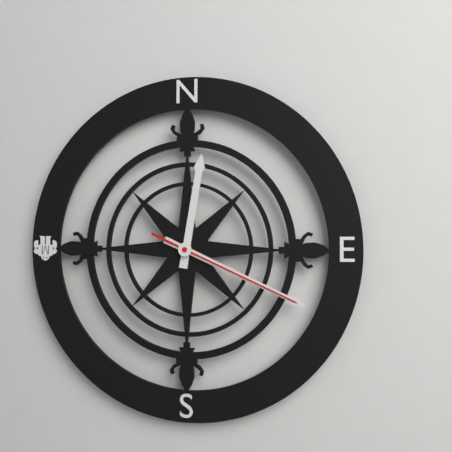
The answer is 12.19.19
